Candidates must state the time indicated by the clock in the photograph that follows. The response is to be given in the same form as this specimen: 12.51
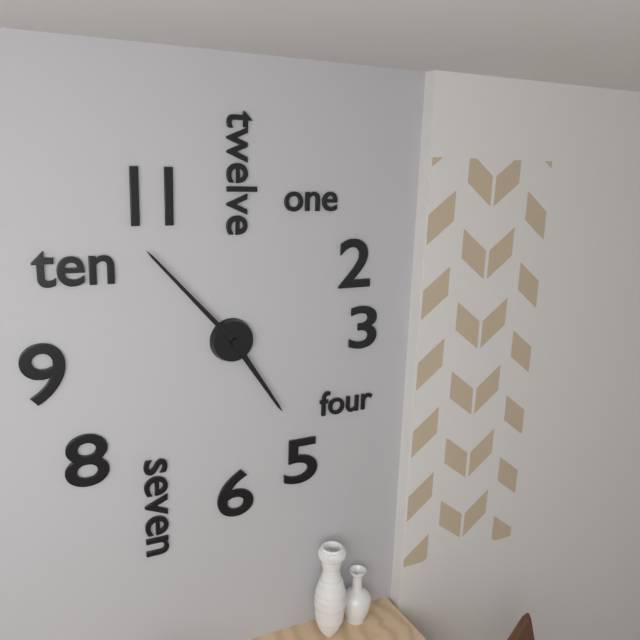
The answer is 4.53
